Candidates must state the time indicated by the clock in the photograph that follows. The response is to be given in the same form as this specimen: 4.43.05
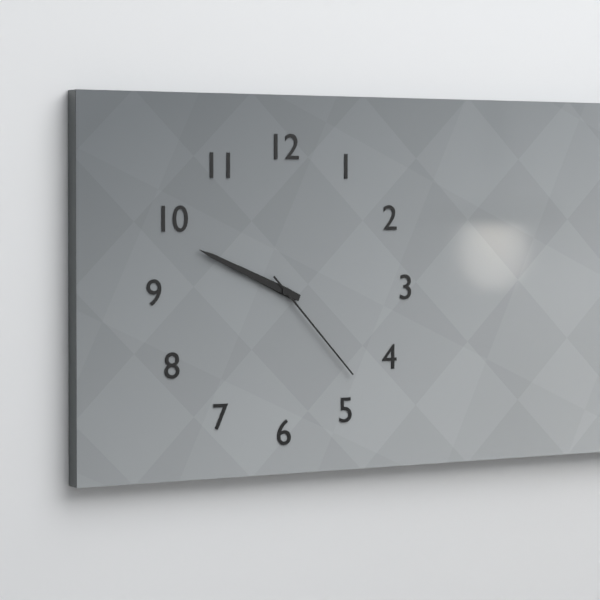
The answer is 9.49.23
